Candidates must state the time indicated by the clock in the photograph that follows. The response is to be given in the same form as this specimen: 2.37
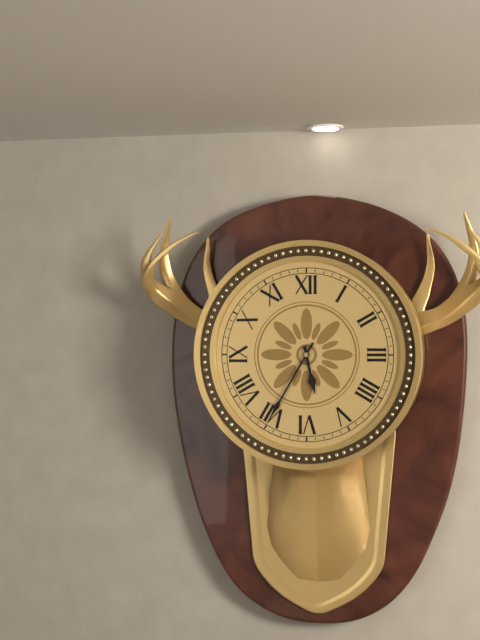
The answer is 5.35
